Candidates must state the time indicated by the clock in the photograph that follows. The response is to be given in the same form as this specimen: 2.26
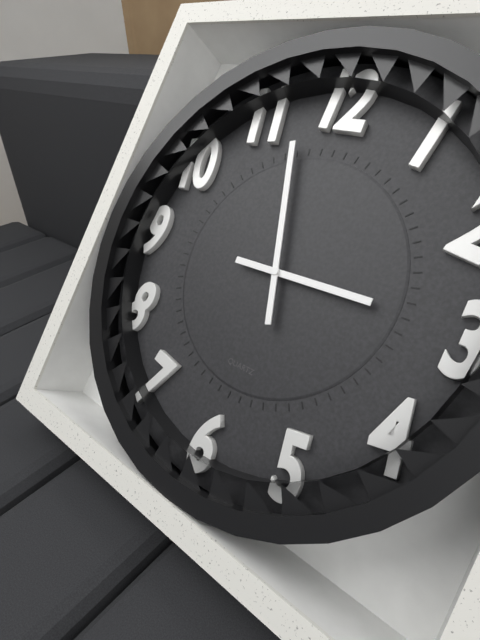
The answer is 2.57
